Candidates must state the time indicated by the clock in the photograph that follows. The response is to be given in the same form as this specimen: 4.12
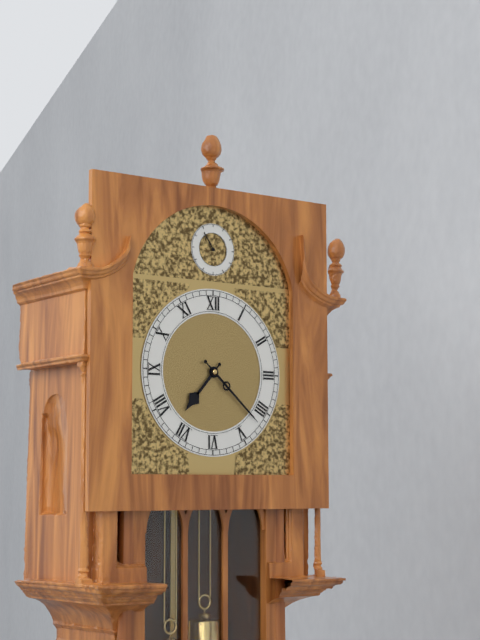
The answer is 7.22
